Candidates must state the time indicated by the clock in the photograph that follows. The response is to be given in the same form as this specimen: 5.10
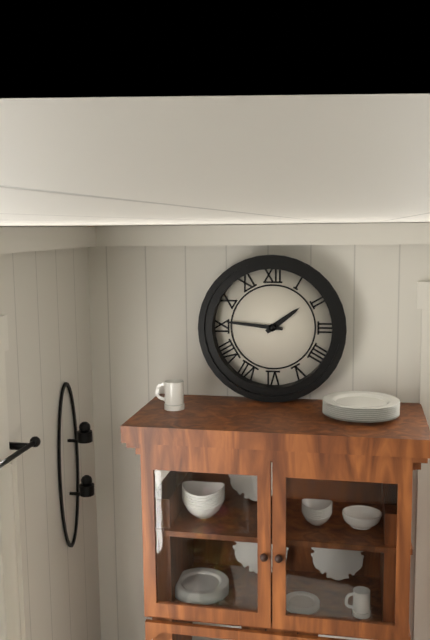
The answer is 1.46
